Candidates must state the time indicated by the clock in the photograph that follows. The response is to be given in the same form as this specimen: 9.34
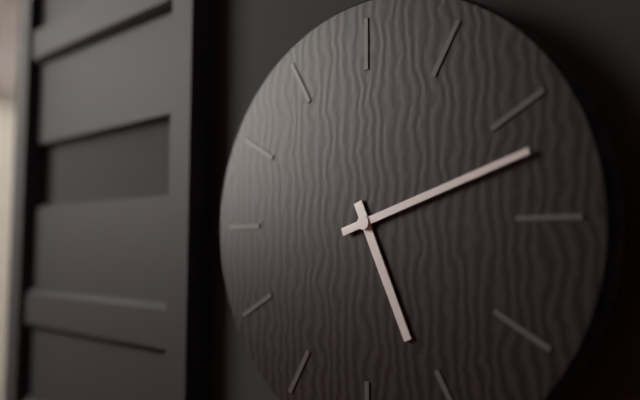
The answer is 5.12
